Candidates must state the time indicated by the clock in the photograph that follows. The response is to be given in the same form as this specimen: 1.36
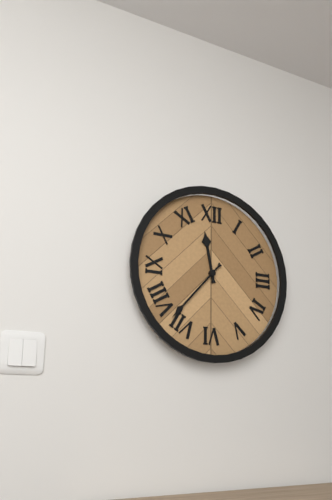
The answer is 11.37
